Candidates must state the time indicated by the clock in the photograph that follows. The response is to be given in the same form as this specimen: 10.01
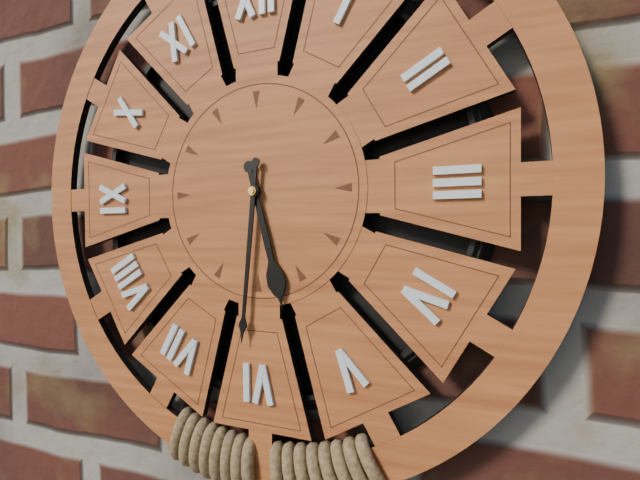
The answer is 5.31
